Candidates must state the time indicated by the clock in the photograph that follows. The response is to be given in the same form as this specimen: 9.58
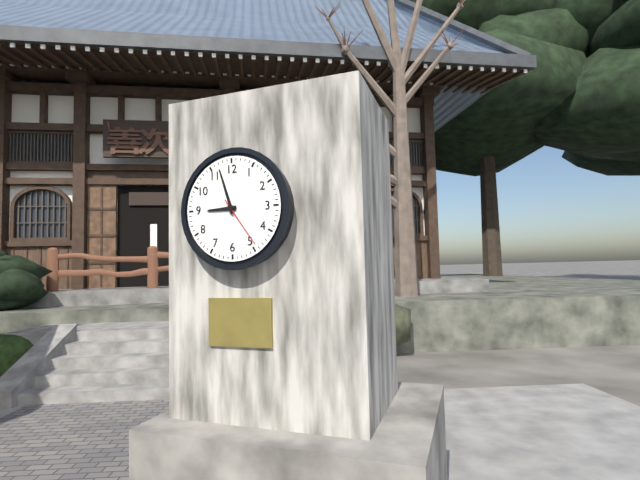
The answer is 8.57
